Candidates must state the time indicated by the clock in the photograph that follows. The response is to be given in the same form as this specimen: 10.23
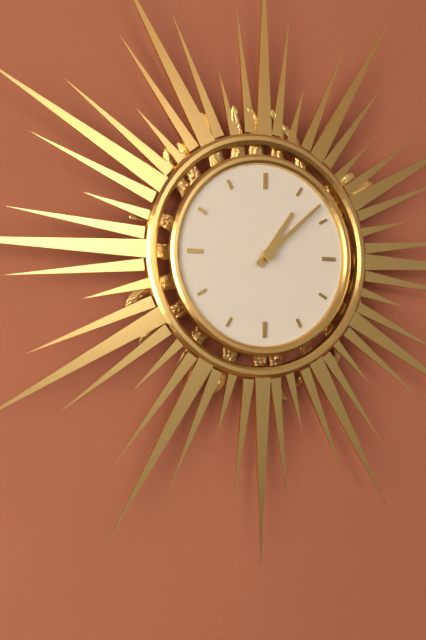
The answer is 1.08
